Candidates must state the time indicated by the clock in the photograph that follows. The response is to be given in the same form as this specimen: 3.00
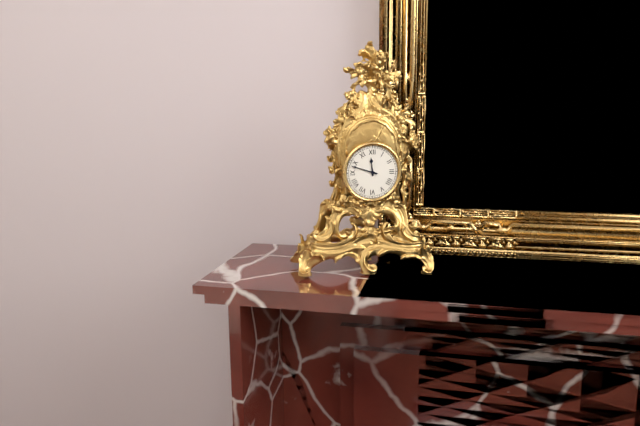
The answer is 11.48
